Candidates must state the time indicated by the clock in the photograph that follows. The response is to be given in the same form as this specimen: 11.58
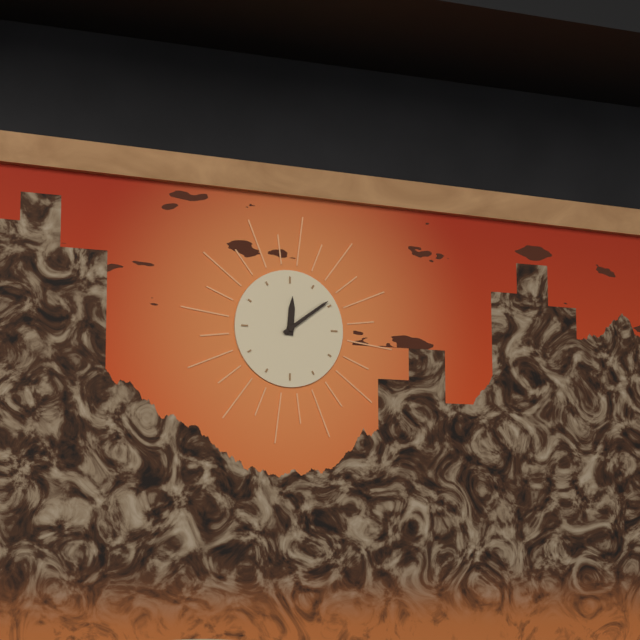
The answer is 12.09
